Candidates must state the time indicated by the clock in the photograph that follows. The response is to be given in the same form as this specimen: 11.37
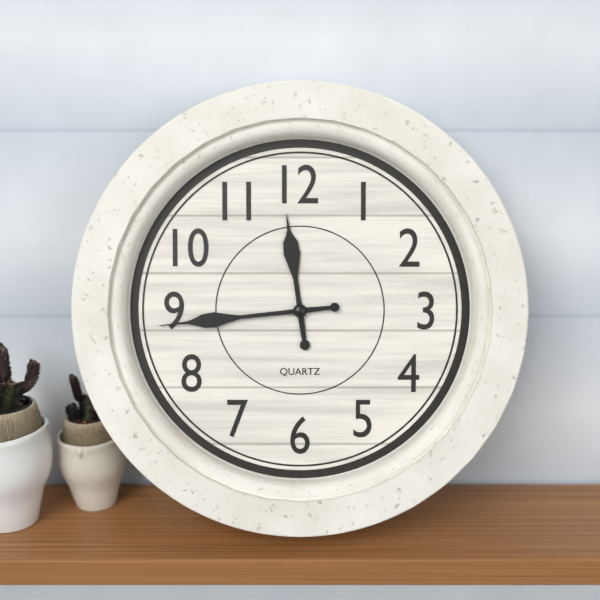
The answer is 11.44
